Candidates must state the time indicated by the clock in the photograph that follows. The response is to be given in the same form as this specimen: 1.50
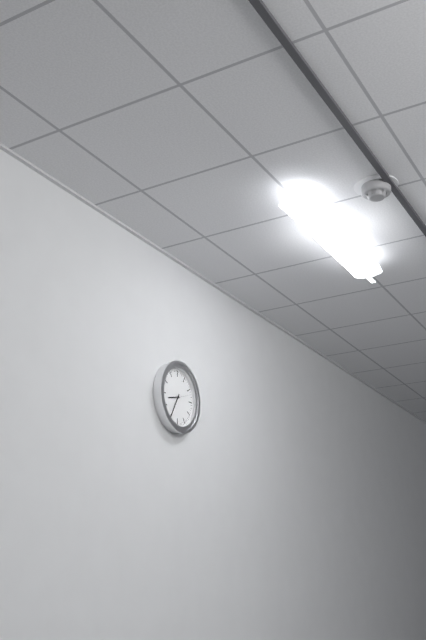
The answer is 8.35
